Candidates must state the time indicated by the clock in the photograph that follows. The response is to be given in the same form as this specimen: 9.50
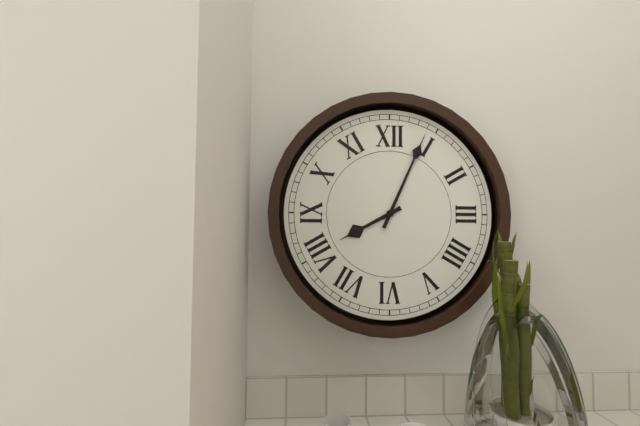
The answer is 8.04
